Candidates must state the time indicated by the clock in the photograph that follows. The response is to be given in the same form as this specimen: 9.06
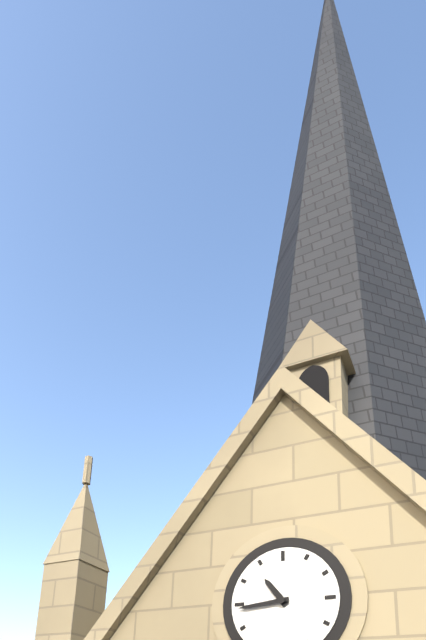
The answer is 10.44
